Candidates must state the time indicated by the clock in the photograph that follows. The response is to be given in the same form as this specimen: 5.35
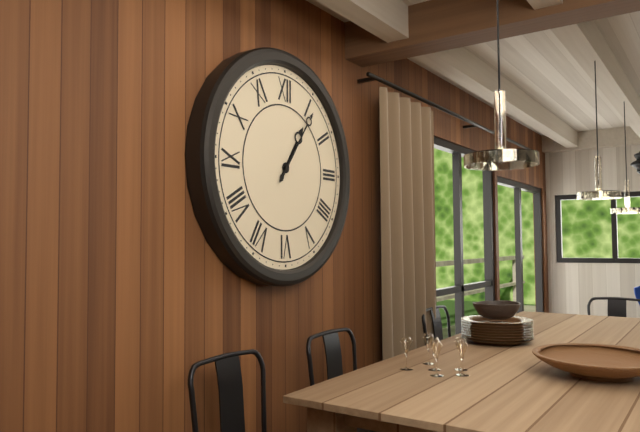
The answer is 1.06
